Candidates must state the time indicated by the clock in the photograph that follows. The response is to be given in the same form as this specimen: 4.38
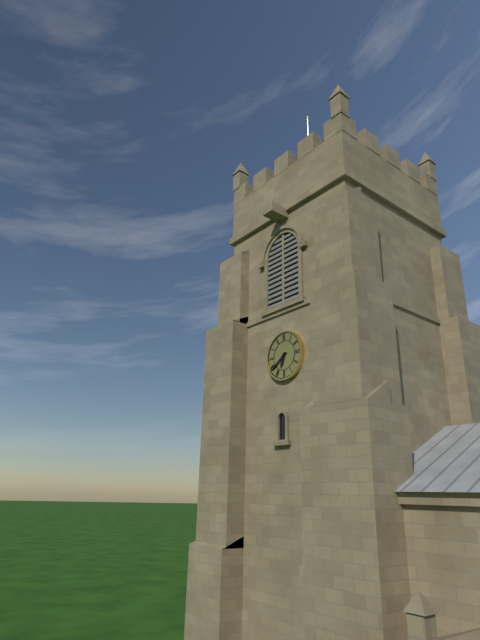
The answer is 6.39
